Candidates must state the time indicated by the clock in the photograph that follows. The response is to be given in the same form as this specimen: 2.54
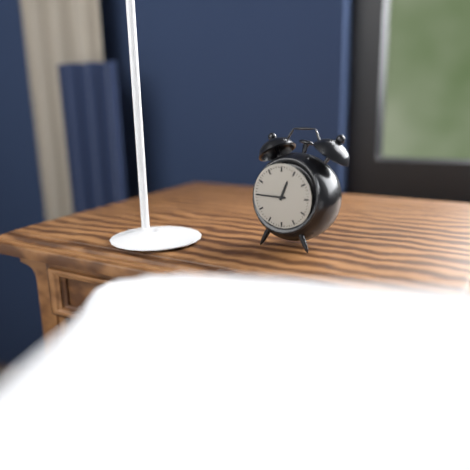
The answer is 12.45
